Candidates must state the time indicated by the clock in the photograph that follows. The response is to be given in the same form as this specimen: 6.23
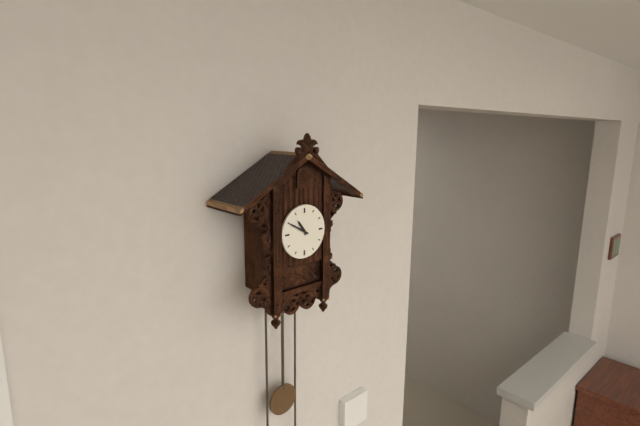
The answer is 10.50
